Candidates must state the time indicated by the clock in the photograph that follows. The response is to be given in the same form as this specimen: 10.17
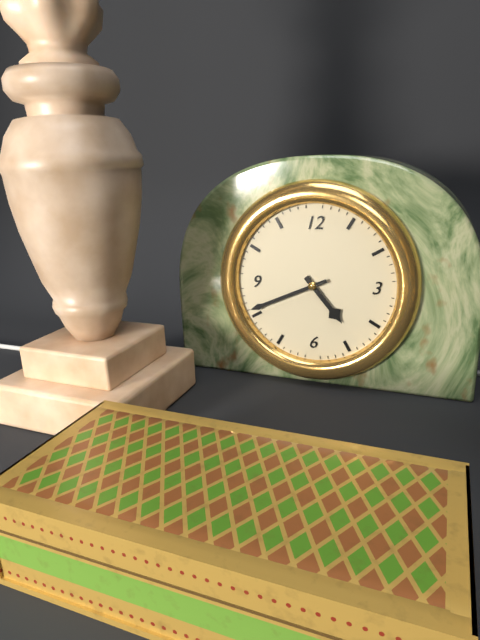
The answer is 4.41
